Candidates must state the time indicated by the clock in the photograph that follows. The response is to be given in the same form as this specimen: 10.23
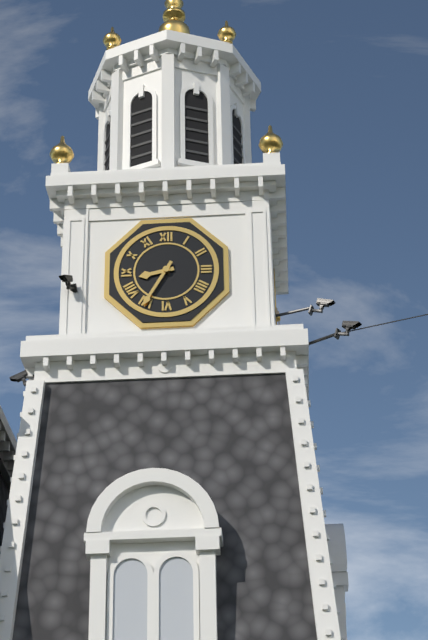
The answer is 8.35
